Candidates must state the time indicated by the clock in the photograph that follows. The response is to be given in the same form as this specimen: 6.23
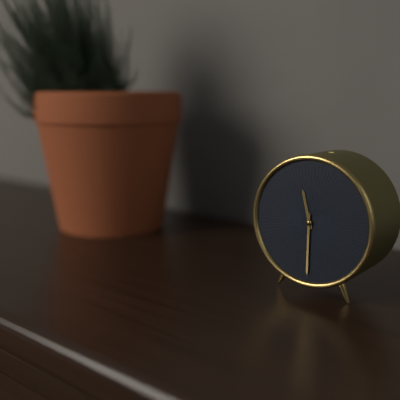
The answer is 11.30
